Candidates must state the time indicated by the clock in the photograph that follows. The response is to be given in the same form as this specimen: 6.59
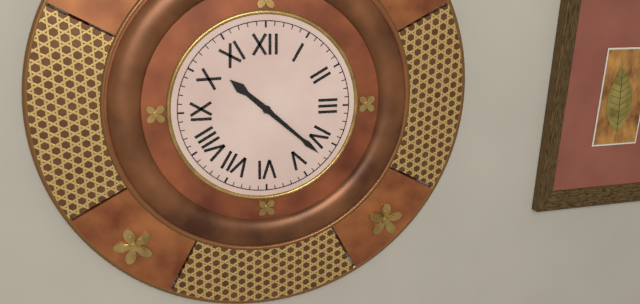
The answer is 10.22
